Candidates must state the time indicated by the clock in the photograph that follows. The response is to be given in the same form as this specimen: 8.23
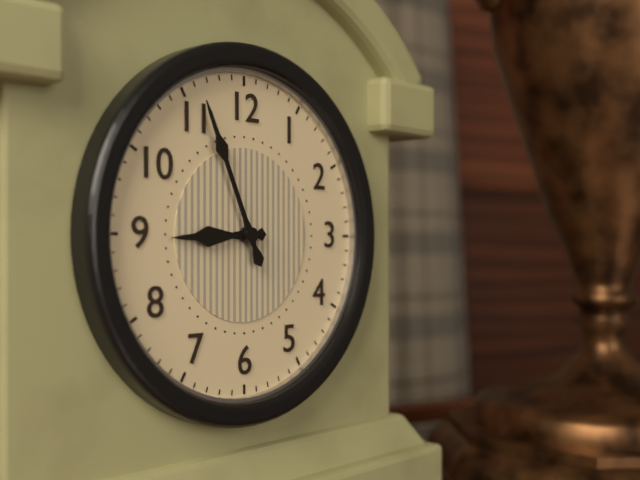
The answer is 8.56
